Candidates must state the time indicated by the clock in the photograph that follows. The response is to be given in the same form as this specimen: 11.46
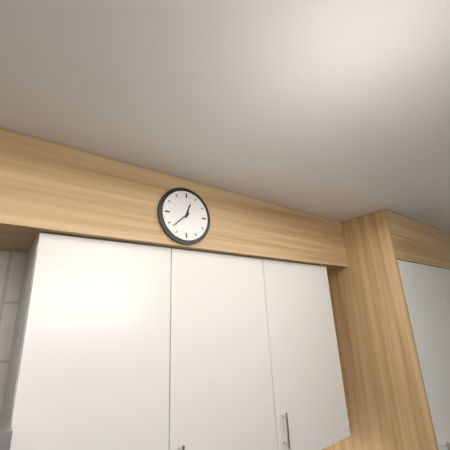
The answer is 12.38
